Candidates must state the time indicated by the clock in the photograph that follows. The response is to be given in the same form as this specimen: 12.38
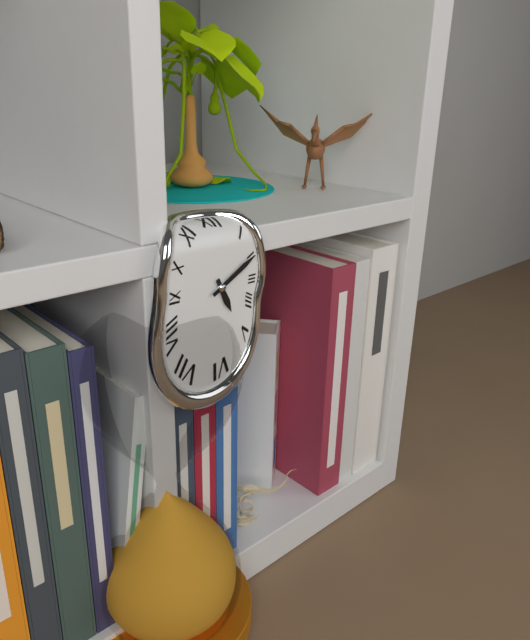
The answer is 5.10
